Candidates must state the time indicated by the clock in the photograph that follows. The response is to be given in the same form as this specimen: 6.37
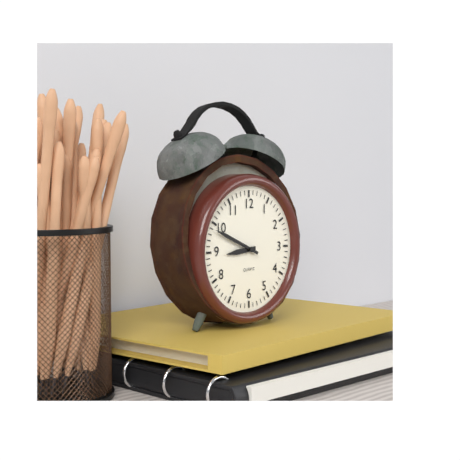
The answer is 8.49
